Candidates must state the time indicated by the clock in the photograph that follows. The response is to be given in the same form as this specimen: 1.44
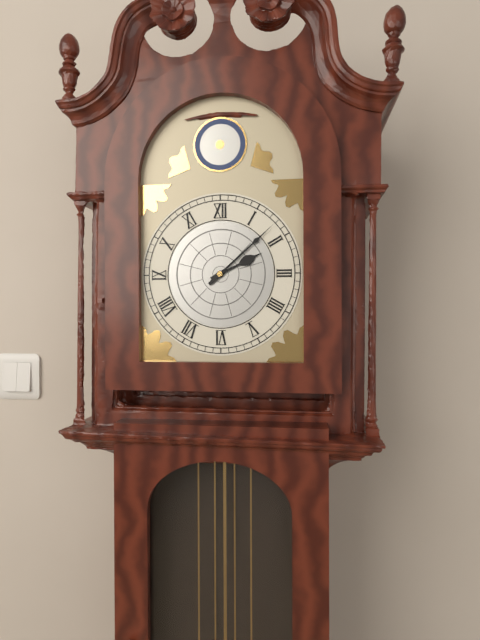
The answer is 2.08
